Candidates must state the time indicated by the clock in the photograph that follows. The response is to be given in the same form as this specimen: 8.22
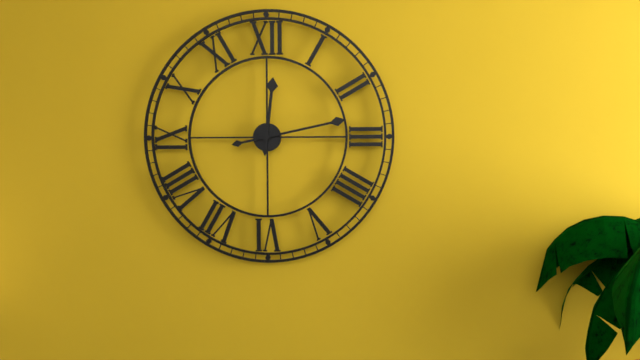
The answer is 12.13
